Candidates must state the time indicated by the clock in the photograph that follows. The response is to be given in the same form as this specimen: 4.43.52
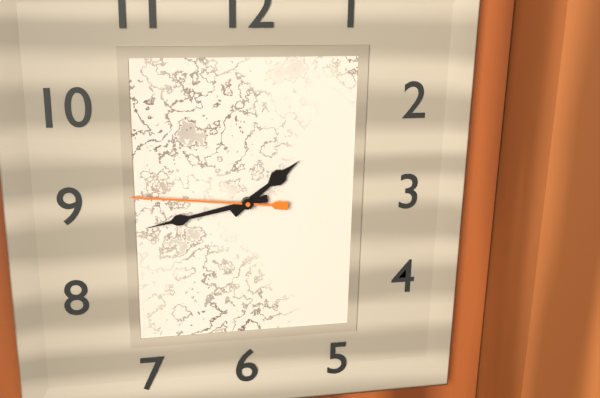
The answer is 1.43.46
